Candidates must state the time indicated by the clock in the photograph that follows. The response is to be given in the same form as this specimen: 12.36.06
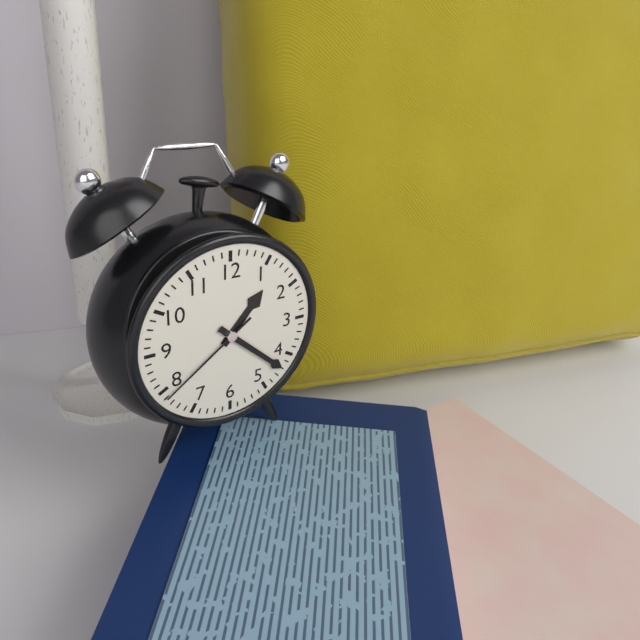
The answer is 1.22.39
